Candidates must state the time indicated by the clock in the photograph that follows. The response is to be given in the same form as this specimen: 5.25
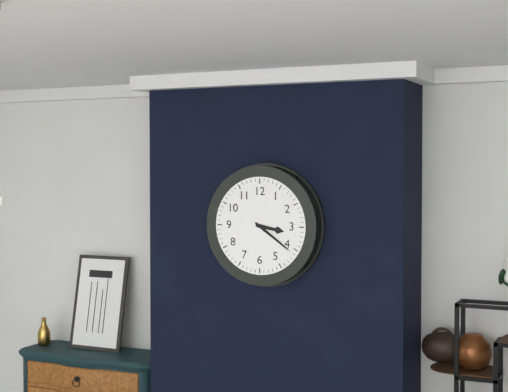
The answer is 3.21
